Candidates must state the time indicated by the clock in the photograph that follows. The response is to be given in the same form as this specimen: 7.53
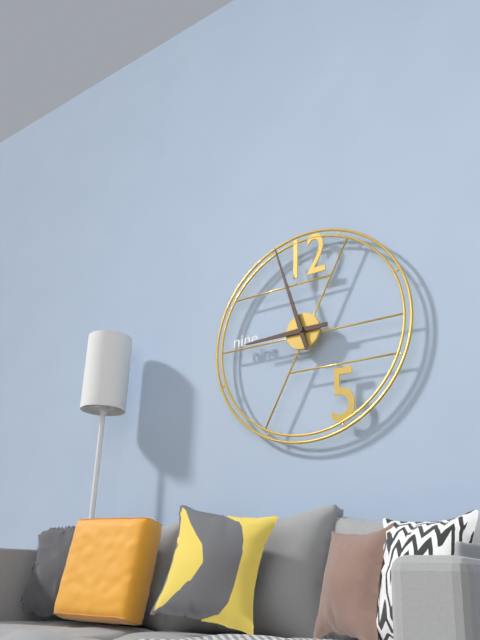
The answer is 8.57
